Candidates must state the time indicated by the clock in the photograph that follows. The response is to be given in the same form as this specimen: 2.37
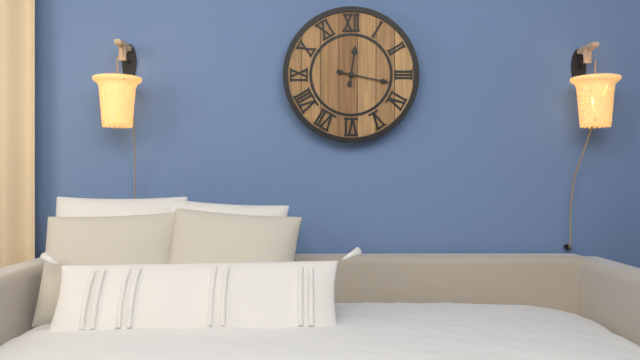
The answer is 12.17
